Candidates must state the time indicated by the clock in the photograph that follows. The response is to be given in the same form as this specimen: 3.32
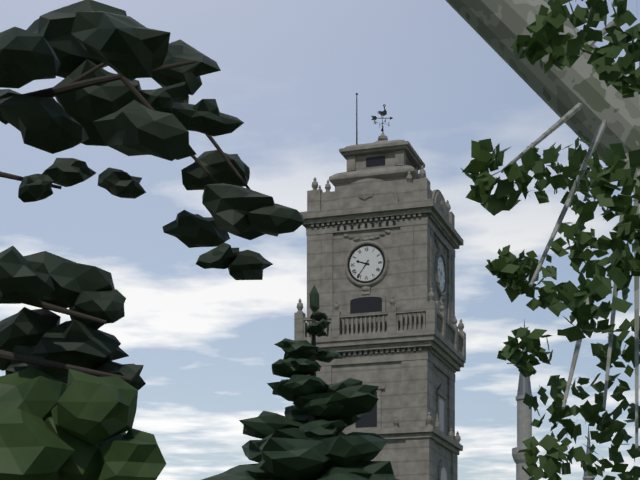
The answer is 9.36
